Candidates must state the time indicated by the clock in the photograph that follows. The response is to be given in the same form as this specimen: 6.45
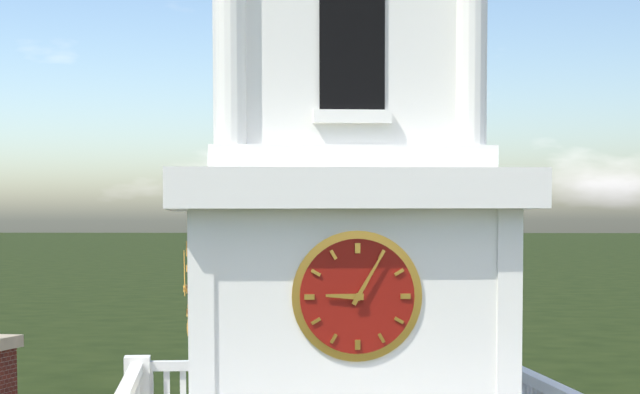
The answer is 9.05
